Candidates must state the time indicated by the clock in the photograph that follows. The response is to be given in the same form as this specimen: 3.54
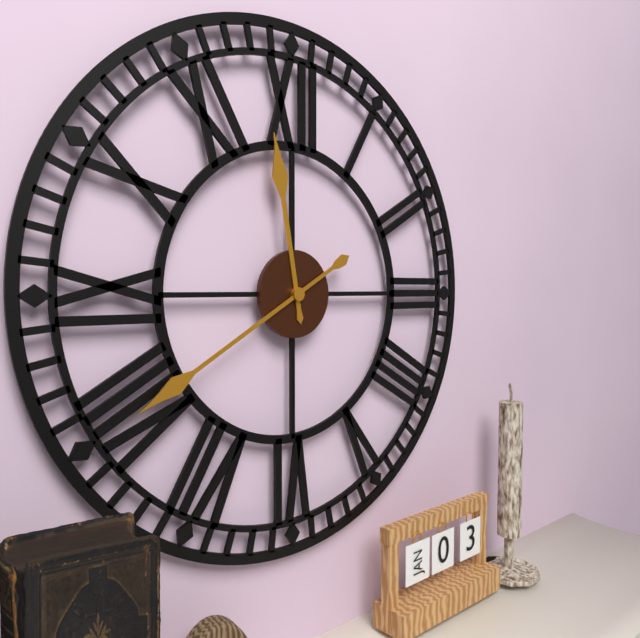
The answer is 11.40
